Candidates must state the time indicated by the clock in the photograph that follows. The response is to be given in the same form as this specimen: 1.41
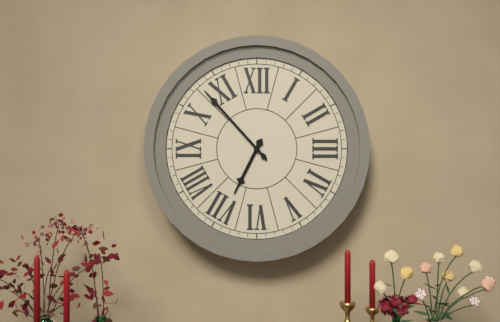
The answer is 6.53
